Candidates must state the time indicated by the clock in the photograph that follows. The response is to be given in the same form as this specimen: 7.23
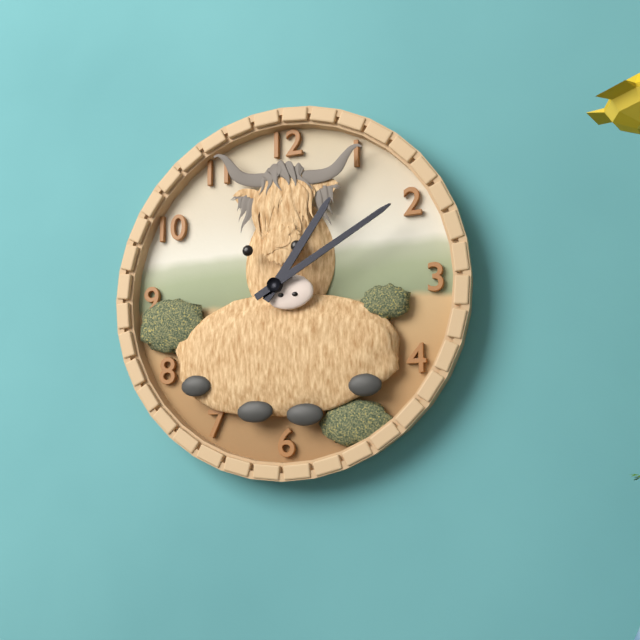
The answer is 1.10
